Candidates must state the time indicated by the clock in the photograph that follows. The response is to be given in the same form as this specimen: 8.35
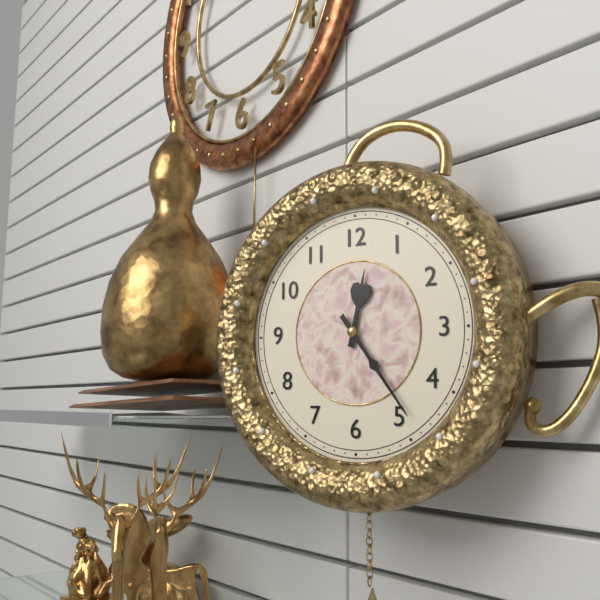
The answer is 12.24
